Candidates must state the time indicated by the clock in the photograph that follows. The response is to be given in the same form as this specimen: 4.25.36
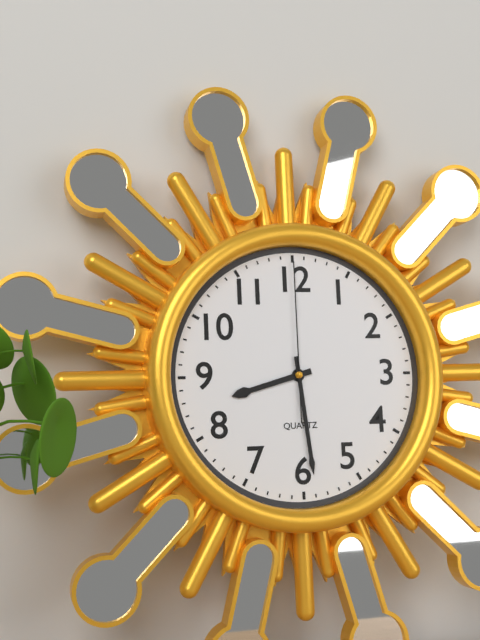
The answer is 8.29.00
